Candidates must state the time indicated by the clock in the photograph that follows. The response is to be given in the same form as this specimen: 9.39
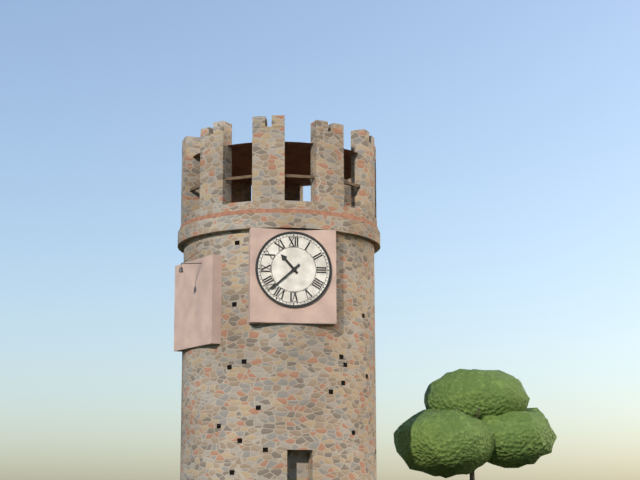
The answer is 10.38
